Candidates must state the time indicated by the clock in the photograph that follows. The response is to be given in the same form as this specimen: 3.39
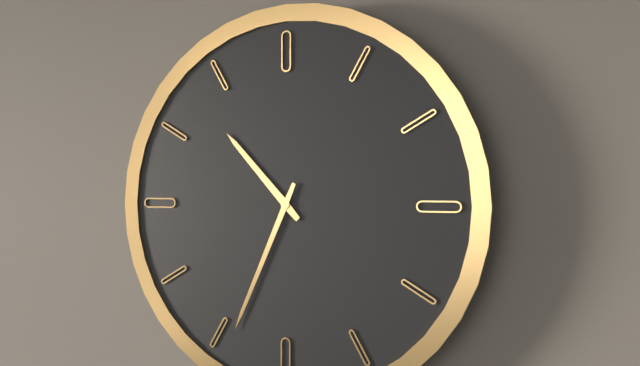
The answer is 10.34
